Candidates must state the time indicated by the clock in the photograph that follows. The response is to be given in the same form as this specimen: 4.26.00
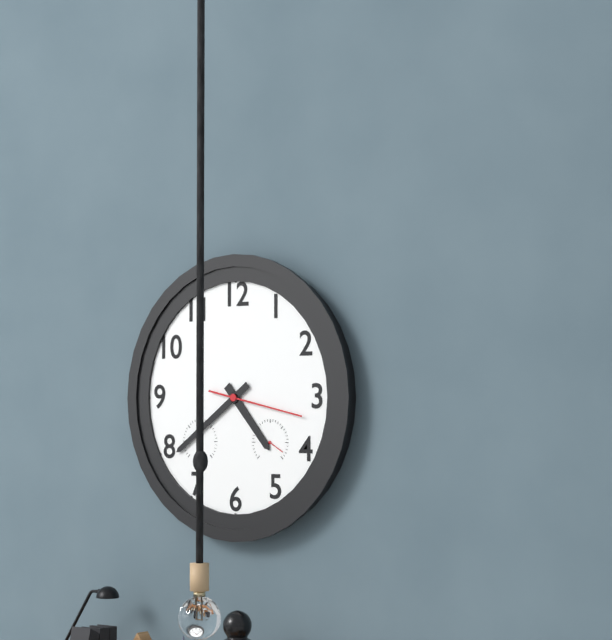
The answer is 4.39.17
